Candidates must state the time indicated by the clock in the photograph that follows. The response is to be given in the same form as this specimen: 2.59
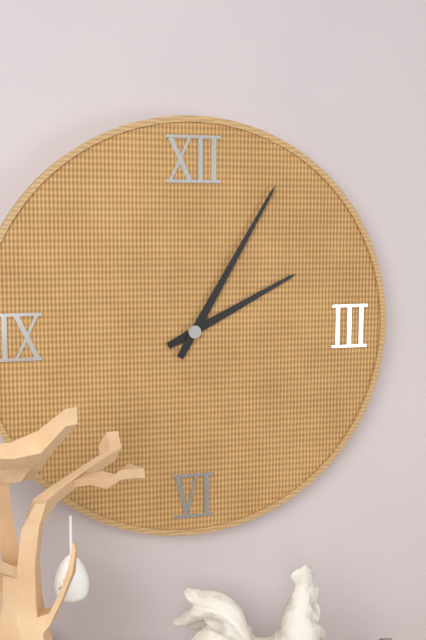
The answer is 2.05
